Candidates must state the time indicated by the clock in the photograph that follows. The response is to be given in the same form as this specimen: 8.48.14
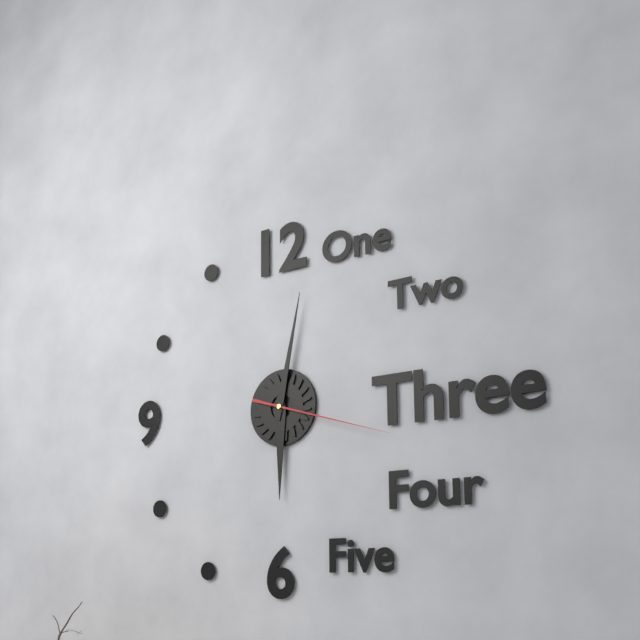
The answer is 6.02.18
